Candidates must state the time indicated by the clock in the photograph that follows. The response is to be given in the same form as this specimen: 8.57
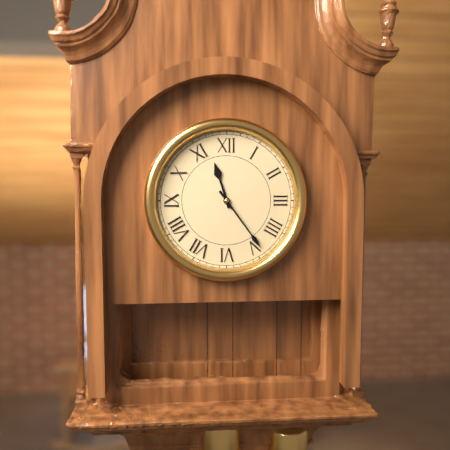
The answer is 11.24
